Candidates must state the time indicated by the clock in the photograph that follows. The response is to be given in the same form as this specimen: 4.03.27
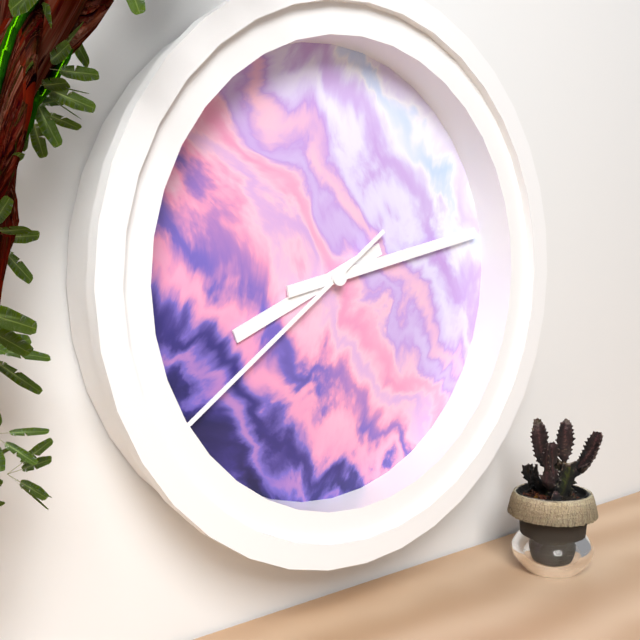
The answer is 8.13.39
